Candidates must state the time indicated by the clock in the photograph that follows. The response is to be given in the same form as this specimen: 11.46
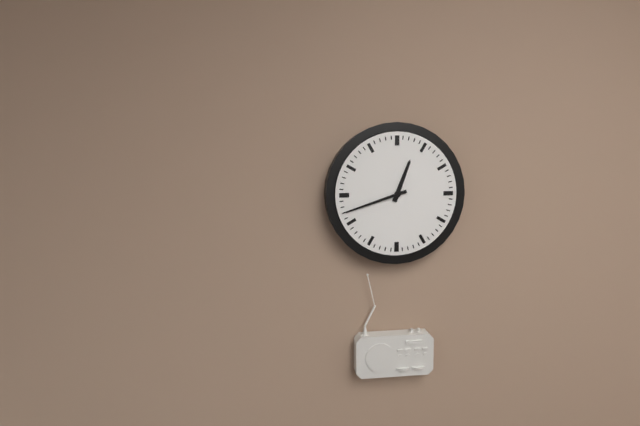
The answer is 12.42
